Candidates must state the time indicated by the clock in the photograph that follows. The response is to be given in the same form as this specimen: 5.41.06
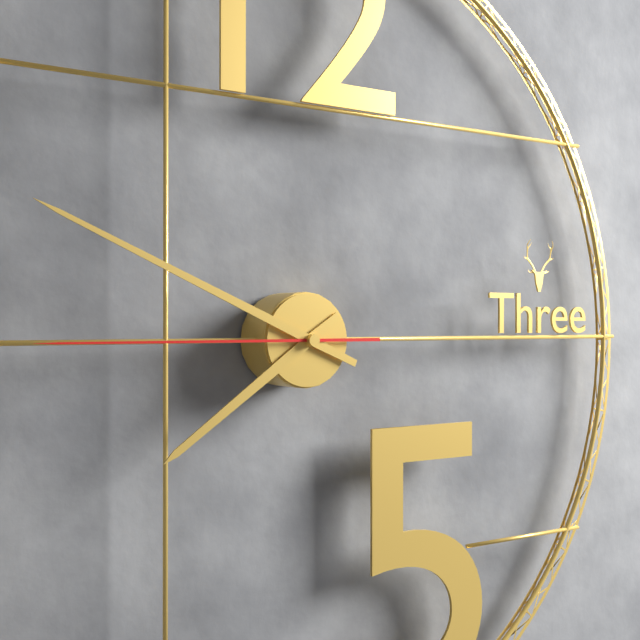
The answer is 7.49.45
